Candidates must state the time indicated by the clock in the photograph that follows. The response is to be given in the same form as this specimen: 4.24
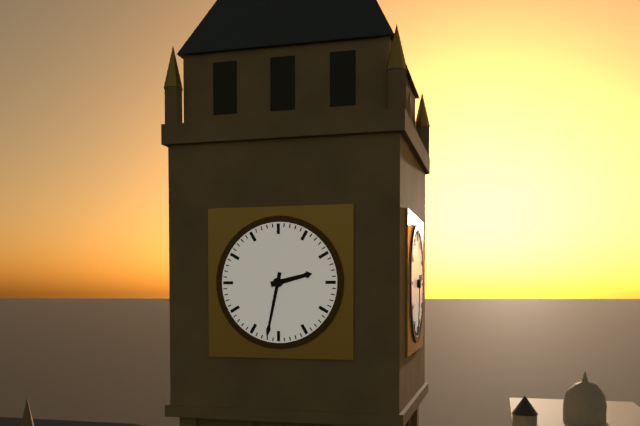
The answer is 2.32
